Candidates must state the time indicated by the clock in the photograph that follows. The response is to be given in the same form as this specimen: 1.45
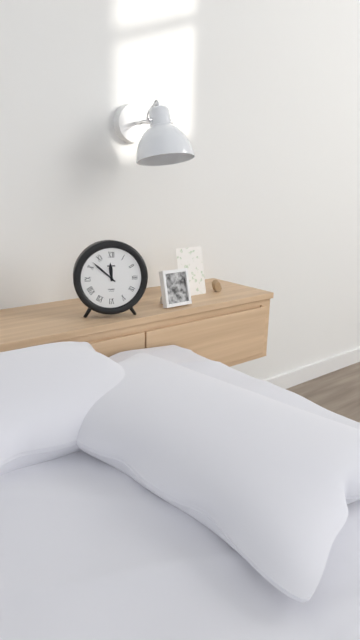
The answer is 11.52
